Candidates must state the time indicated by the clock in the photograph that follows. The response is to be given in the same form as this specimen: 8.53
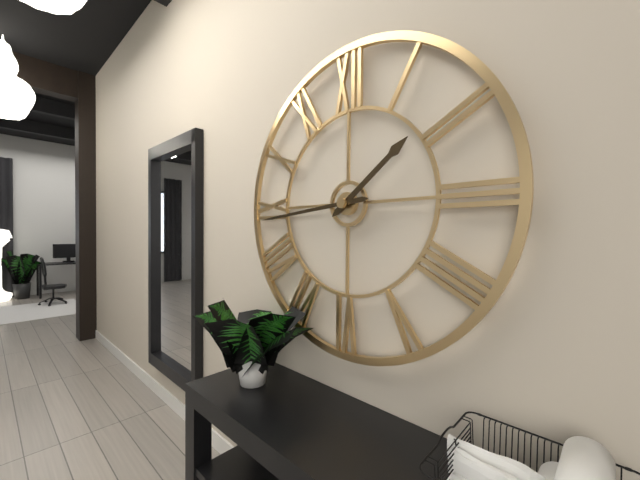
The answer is 1.44
